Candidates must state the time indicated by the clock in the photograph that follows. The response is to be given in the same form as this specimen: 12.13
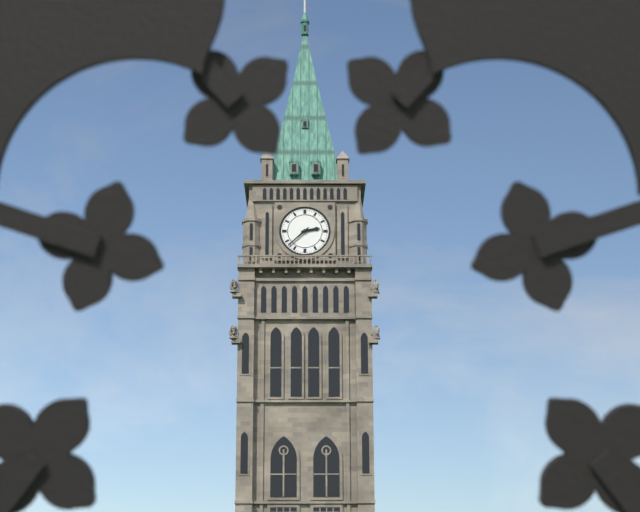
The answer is 2.38
